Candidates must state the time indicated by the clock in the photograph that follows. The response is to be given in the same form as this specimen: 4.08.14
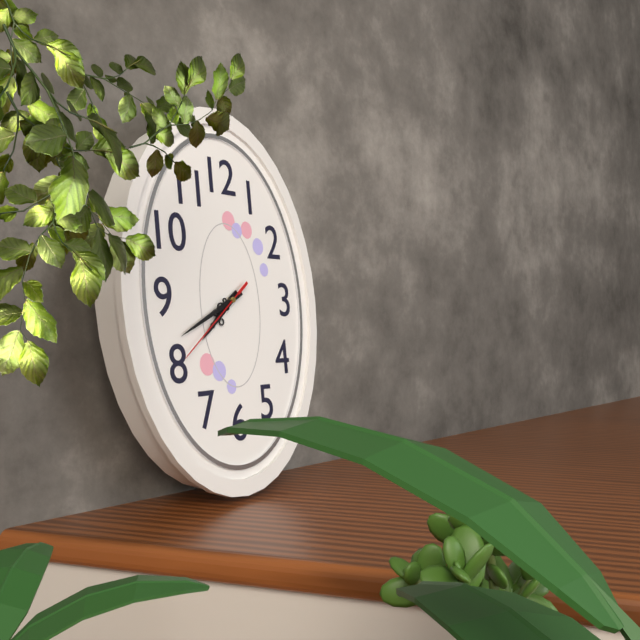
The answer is 7.41.39
